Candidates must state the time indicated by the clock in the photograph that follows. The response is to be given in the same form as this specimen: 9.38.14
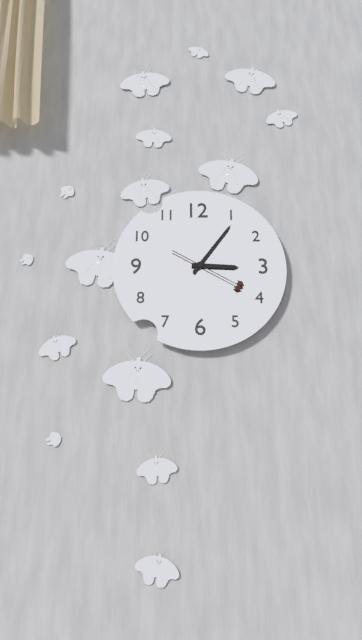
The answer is 3.06.20
